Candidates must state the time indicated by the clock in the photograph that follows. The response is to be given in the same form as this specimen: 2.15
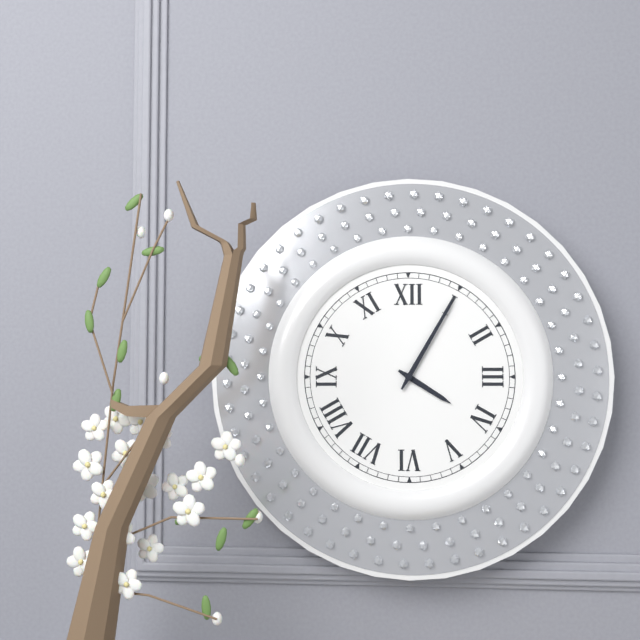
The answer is 4.05
